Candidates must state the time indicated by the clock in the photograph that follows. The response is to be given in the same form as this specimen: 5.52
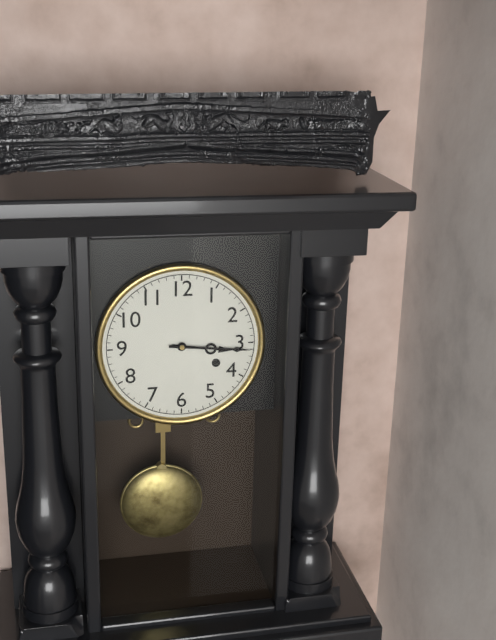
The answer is 3.16
